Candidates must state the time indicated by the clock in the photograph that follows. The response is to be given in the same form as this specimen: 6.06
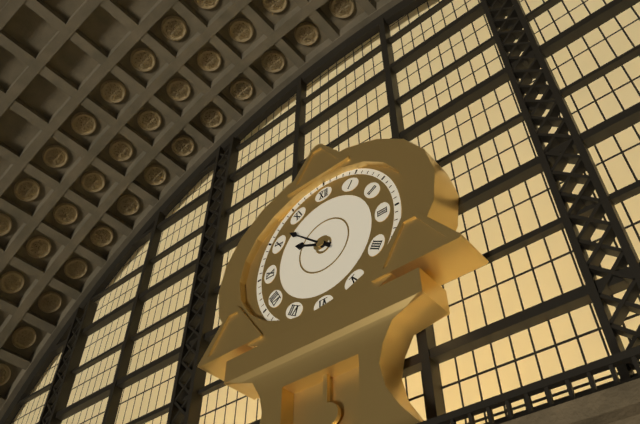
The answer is 9.52
